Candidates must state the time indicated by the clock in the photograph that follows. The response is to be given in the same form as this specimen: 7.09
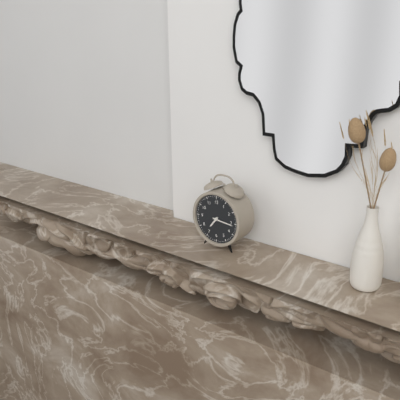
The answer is 7.16
